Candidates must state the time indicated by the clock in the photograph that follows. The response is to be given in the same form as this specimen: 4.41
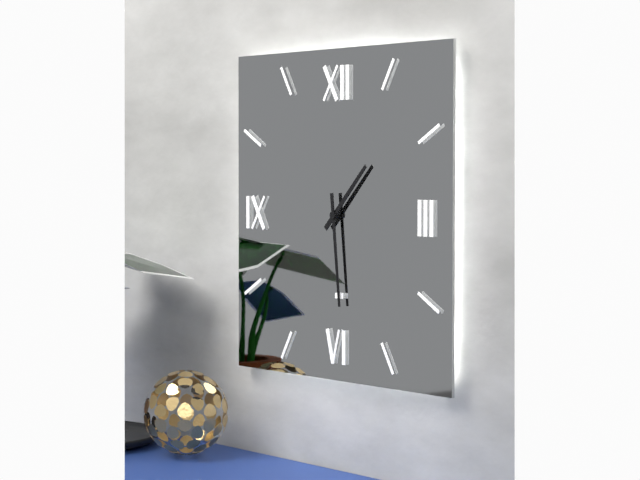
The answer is 1.29
